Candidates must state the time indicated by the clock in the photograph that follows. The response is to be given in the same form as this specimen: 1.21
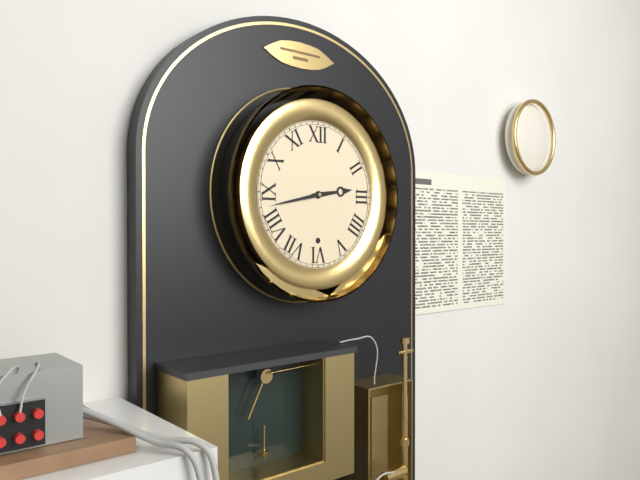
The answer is 2.43
